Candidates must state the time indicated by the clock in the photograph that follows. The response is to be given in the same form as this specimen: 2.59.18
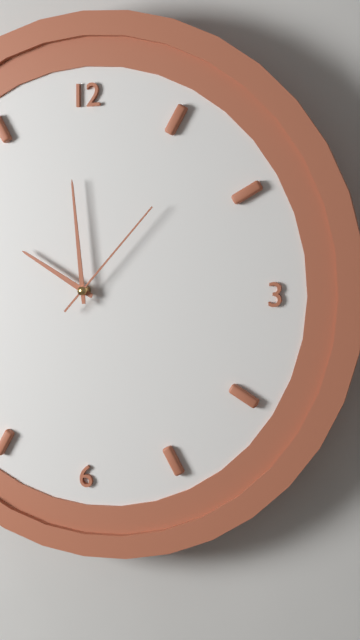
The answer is 9.59.07
